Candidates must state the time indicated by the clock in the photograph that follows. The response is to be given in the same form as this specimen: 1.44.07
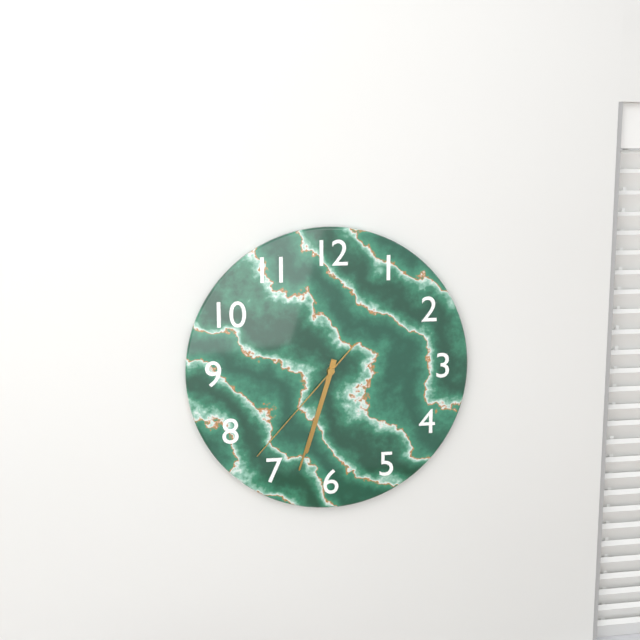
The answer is 6.33.37
